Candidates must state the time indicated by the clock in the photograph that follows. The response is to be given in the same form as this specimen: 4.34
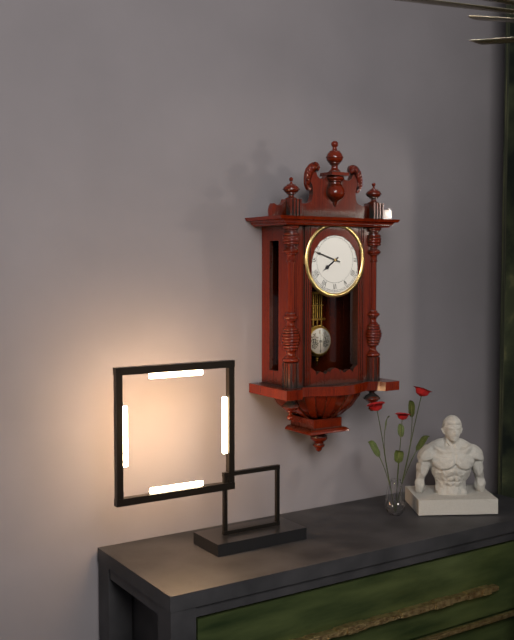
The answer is 7.48
